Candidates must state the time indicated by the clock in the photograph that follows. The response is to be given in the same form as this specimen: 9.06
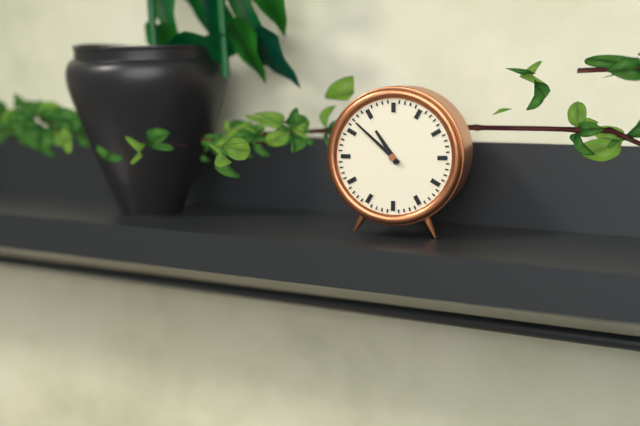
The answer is 10.52
